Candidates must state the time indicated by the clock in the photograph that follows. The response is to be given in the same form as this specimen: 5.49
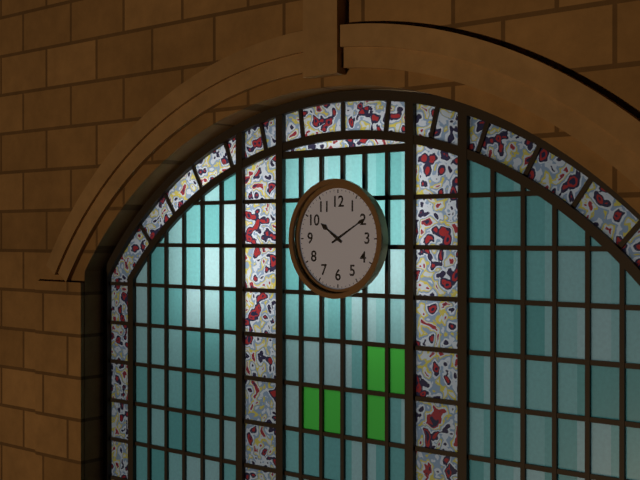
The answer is 10.10
